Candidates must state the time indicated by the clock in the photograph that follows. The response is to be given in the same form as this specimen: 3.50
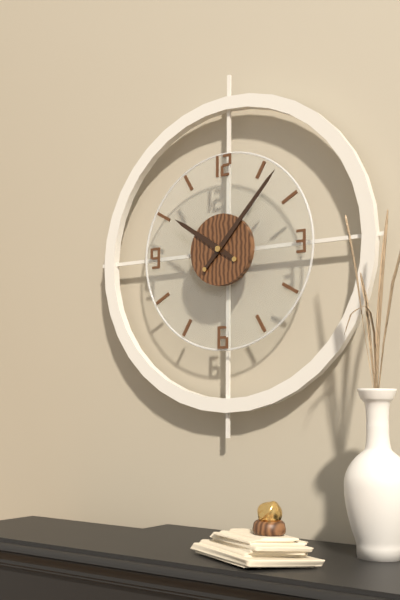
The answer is 10.07
